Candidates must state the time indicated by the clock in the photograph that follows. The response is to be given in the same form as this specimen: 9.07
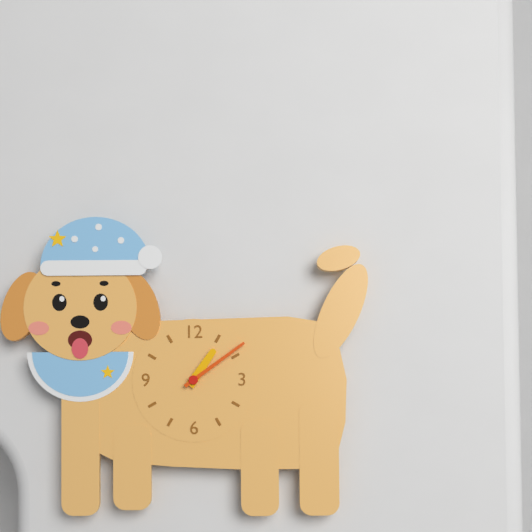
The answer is 1.09
